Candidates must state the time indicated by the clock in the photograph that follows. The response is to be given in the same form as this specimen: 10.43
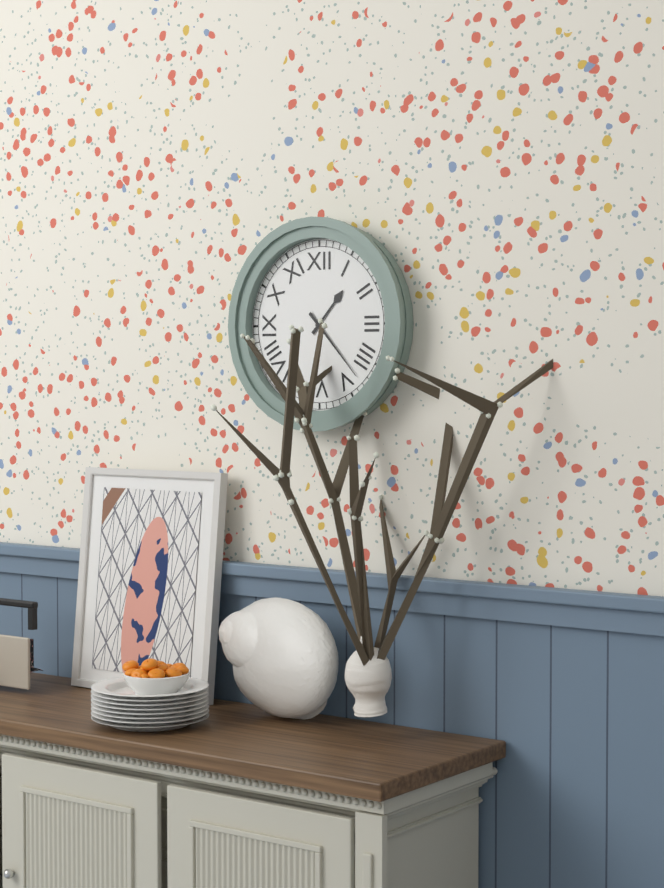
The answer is 1.23
